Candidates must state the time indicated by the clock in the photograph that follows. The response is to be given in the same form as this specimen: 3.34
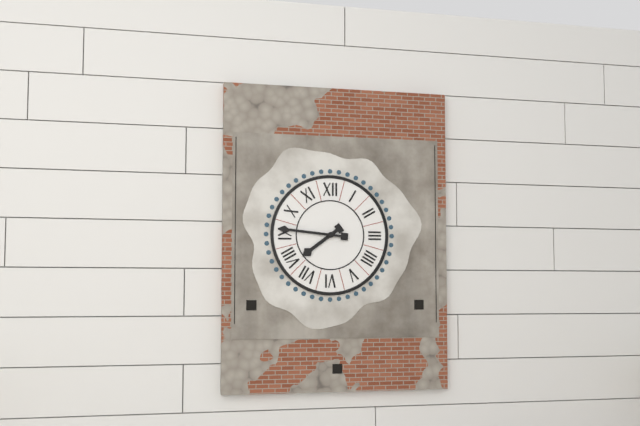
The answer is 7.46
